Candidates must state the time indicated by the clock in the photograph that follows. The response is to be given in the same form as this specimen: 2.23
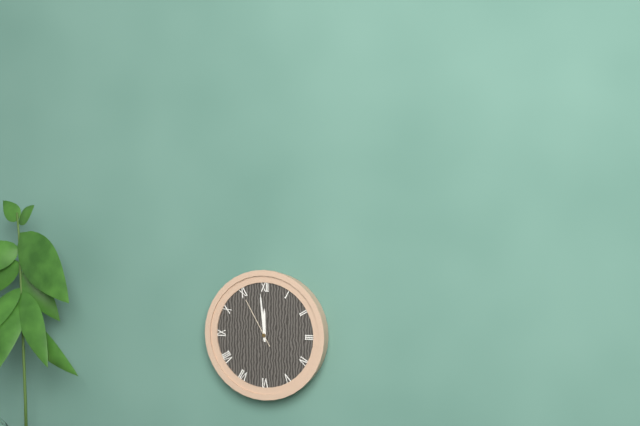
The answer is 11.59
